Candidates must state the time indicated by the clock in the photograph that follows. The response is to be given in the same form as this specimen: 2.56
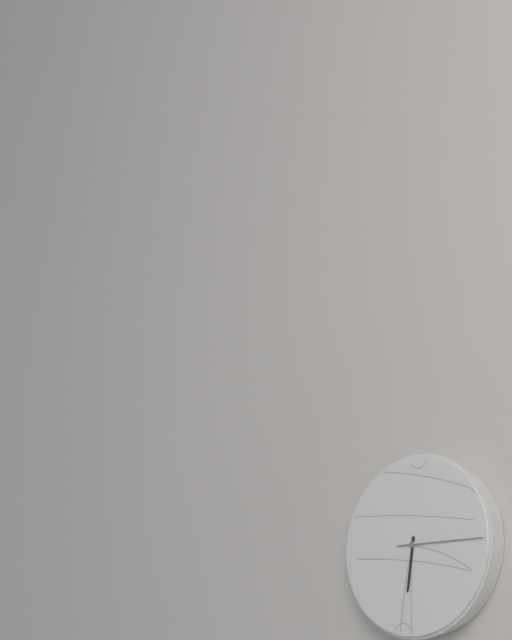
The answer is 6.15
